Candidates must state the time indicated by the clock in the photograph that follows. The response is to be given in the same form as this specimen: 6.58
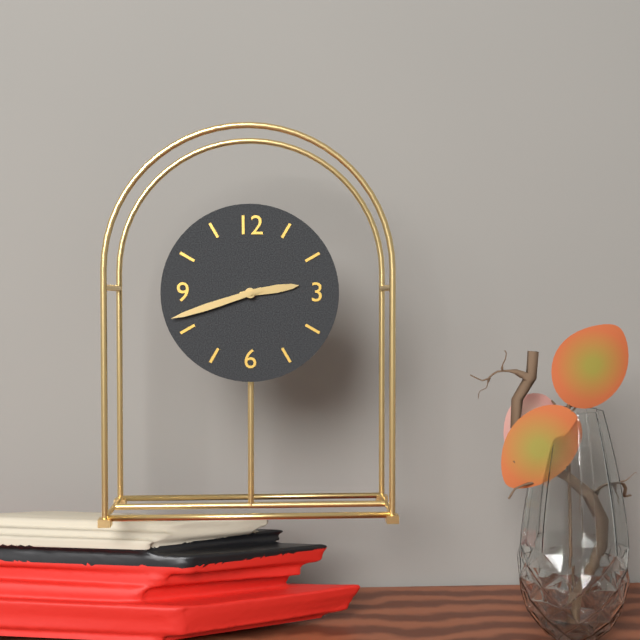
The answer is 2.42
